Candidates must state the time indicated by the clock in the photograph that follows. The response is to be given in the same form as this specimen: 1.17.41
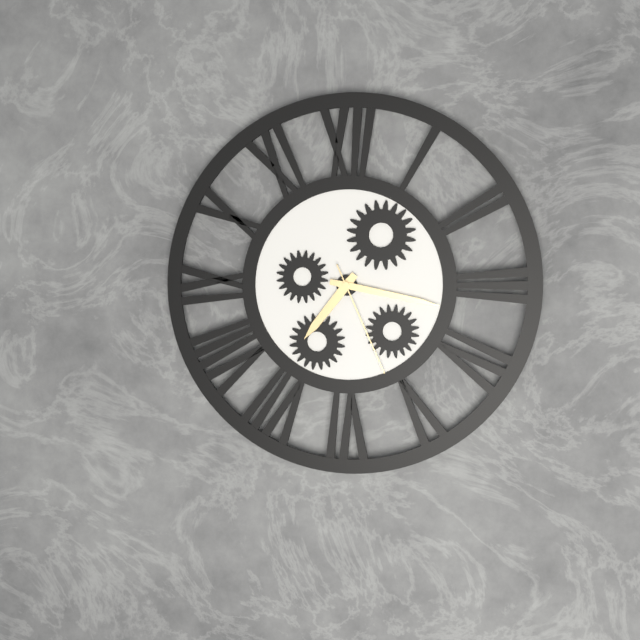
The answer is 7.17.26
